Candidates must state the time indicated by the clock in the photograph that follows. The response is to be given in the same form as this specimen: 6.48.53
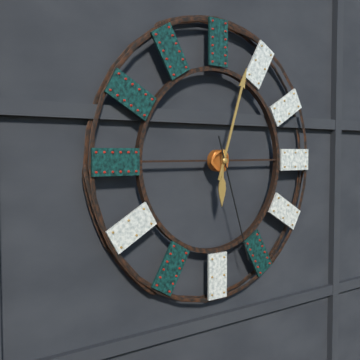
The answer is 6.03.27
